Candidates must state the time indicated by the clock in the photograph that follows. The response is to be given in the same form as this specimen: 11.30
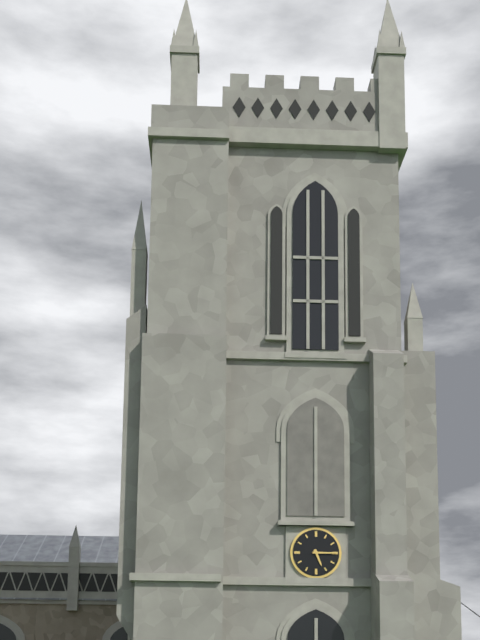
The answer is 5.15
